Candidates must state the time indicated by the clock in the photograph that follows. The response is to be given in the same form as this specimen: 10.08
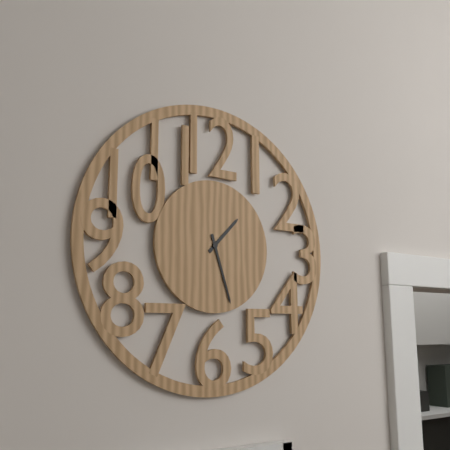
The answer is 1.27
